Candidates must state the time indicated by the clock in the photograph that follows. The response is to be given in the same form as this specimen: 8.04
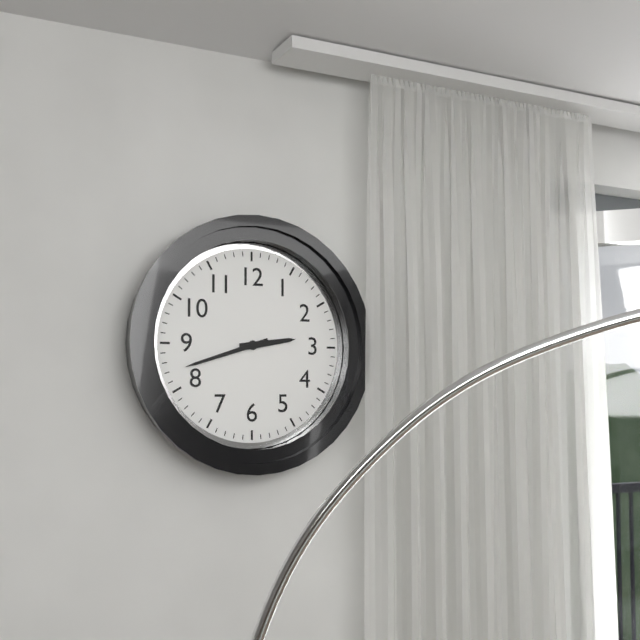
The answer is 2.42
